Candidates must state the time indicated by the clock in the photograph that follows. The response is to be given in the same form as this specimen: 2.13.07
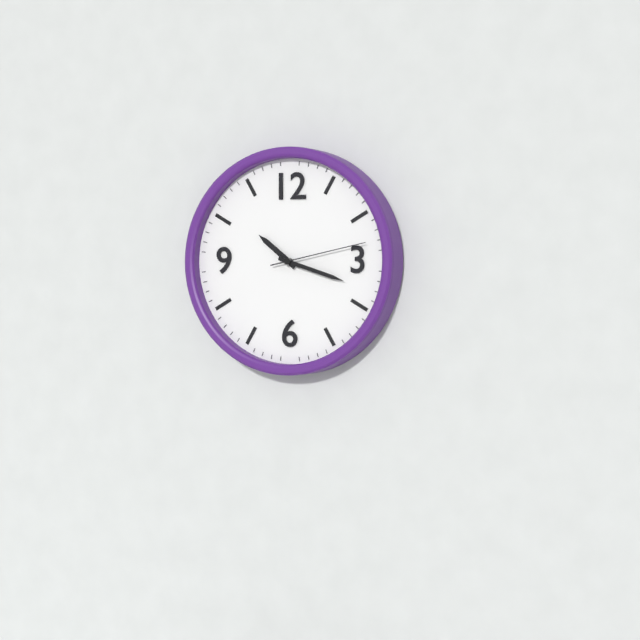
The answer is 10.18.13
